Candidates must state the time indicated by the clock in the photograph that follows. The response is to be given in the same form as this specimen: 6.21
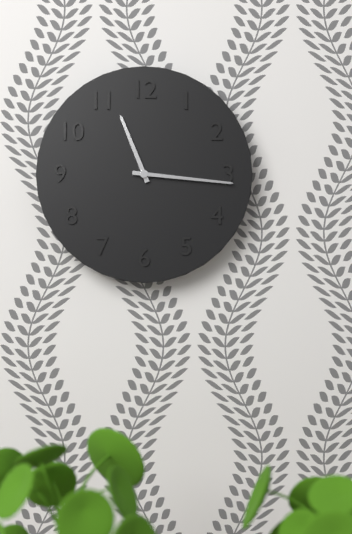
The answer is 11.16
